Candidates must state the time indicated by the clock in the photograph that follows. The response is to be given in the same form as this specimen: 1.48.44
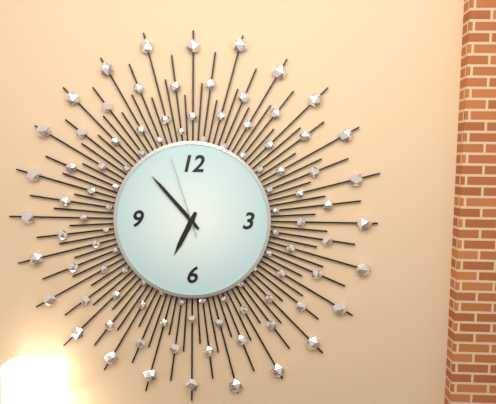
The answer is 6.53.57
